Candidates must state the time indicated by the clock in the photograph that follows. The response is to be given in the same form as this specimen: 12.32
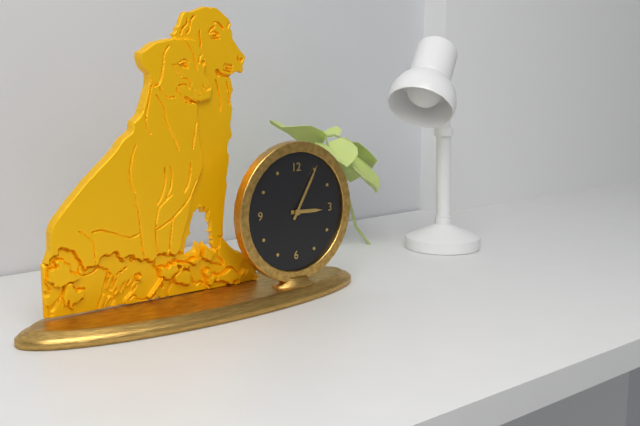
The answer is 3.05
